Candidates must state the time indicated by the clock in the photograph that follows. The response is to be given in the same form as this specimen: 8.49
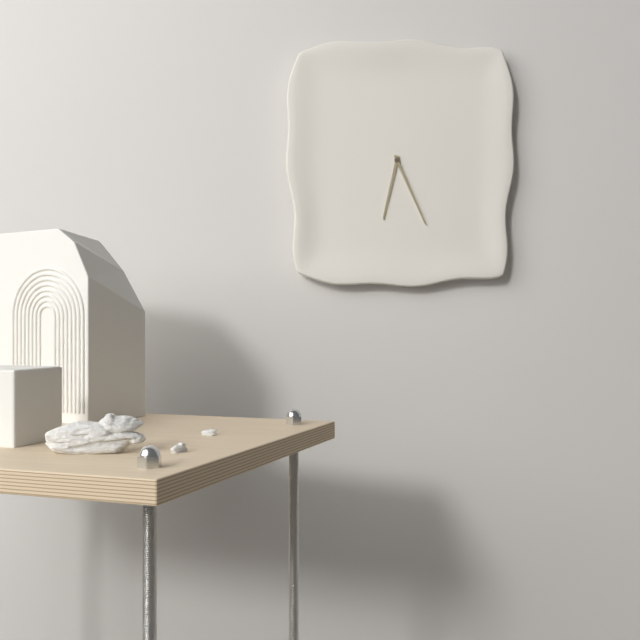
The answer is 6.26
